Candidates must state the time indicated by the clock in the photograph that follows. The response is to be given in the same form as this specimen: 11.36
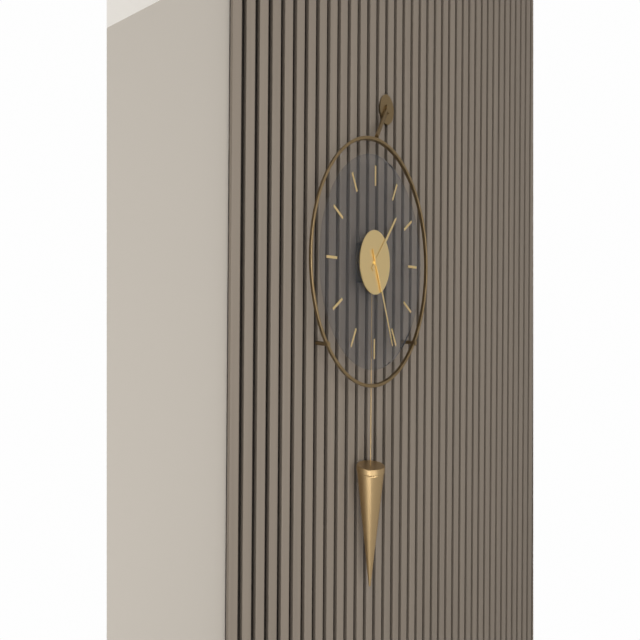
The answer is 1.26
